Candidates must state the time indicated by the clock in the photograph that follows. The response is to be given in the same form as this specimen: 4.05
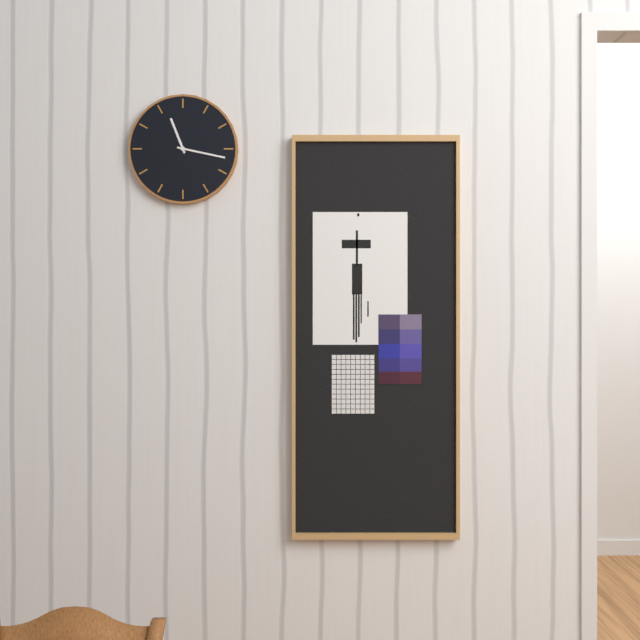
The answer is 11.17
